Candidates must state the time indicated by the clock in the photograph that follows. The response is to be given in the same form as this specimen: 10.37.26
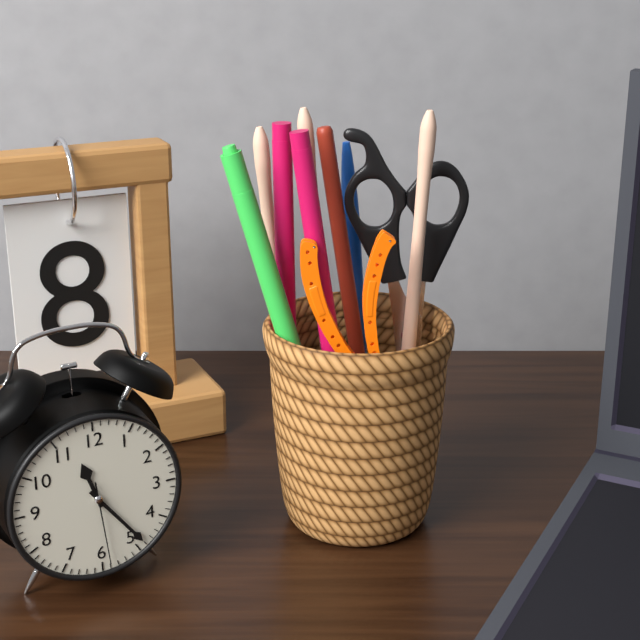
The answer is 11.24.29
